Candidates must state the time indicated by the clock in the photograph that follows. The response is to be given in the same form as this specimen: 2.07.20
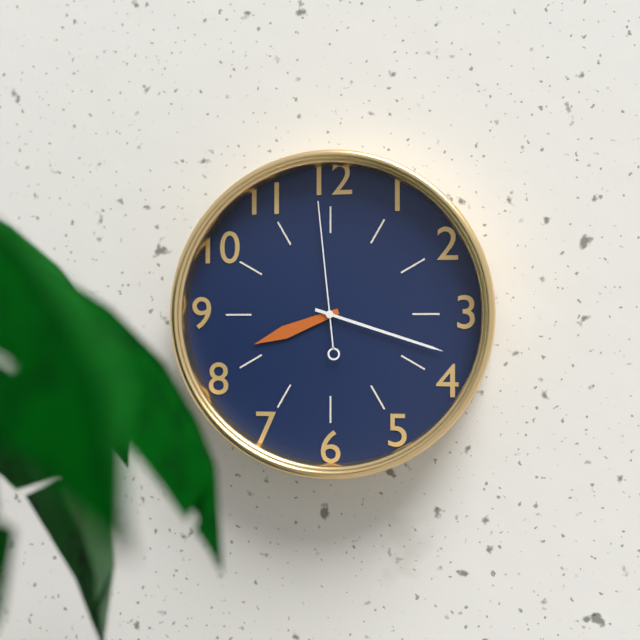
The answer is 8.18.59
